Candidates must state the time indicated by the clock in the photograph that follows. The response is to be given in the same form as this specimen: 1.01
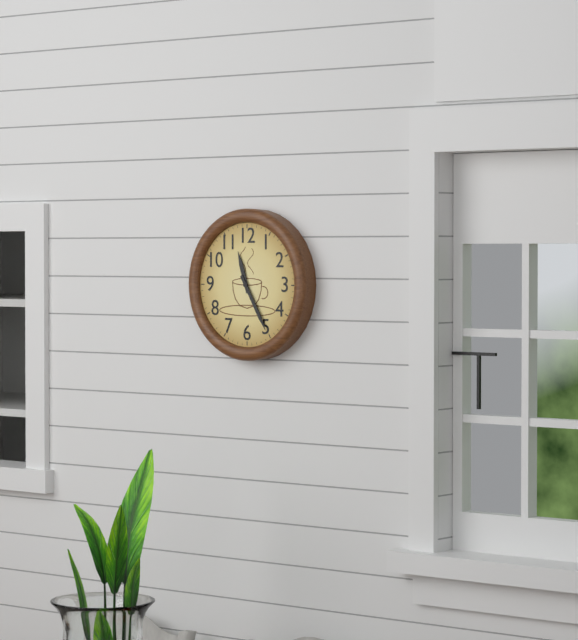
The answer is 11.25
